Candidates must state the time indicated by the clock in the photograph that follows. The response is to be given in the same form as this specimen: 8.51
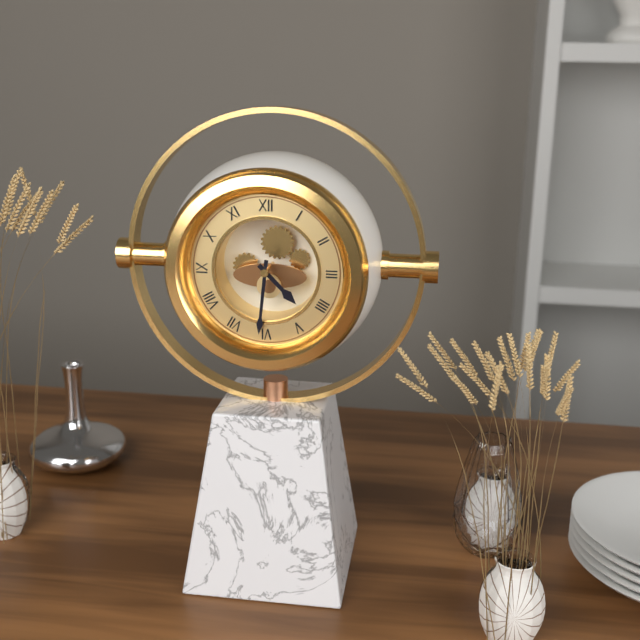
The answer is 4.31
